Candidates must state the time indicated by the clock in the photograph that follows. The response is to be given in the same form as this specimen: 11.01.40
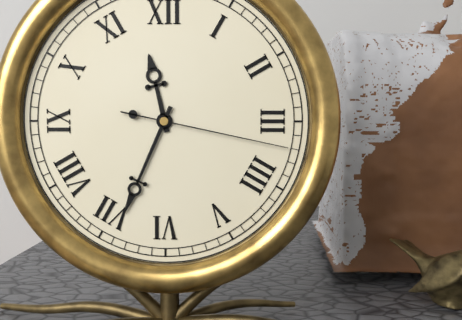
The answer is 11.34.17
